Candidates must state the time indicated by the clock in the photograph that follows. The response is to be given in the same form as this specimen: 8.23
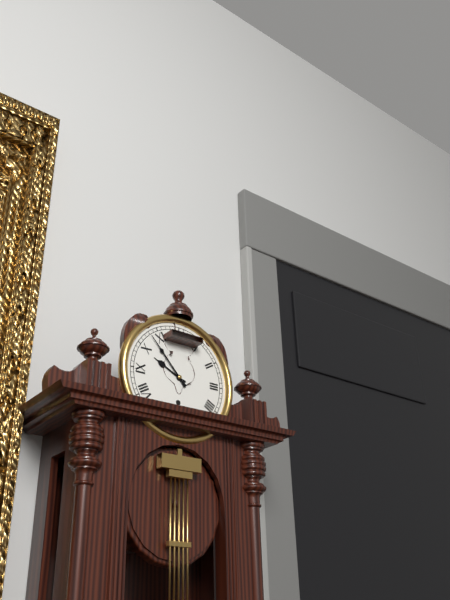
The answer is 9.53
